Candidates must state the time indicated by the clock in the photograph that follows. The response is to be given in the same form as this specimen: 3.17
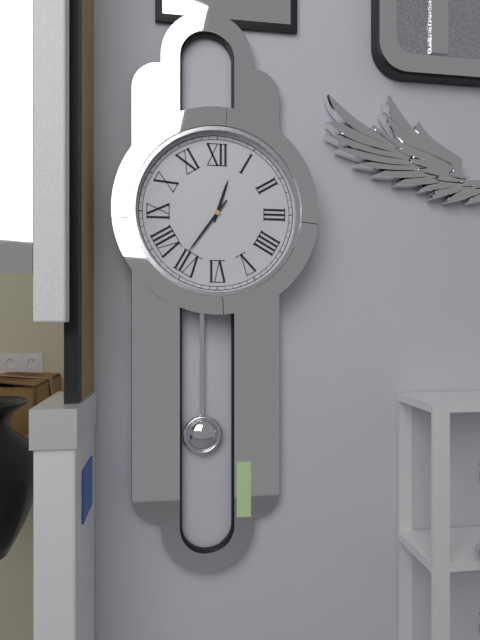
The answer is 12.36
